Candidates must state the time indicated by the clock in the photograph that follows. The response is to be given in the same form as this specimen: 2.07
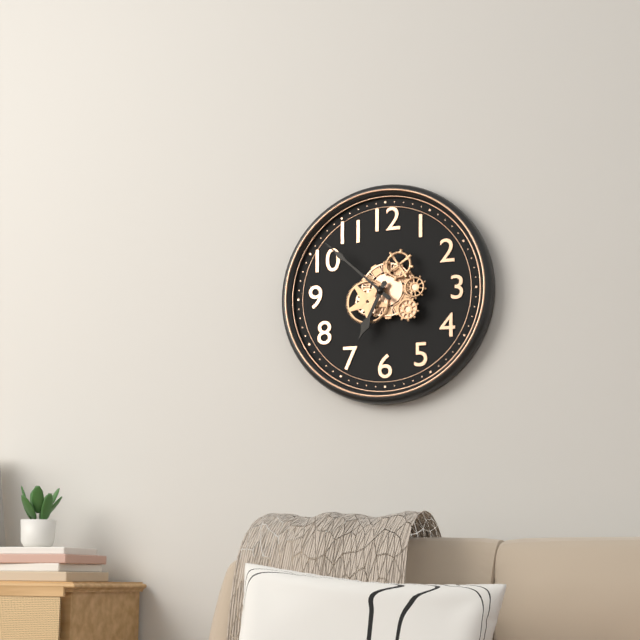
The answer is 6.52
